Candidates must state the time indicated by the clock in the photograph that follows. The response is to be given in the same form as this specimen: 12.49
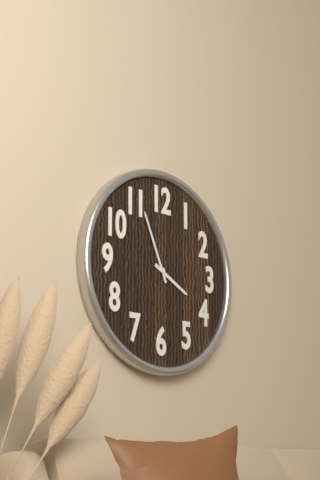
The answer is 3.56
